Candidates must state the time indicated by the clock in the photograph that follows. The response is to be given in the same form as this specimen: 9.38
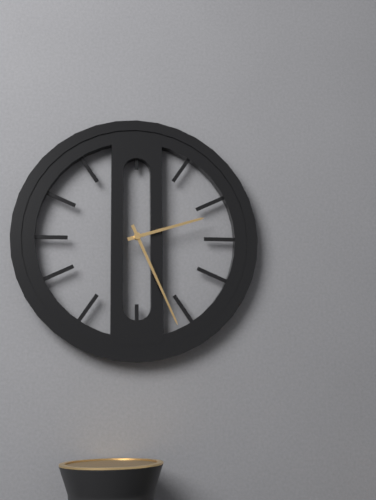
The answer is 2.26
